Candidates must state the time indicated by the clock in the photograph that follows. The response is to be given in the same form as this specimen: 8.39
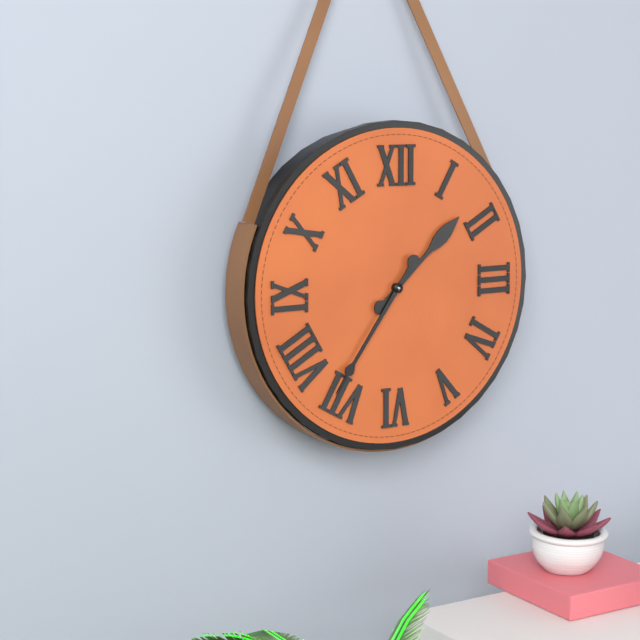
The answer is 1.36
